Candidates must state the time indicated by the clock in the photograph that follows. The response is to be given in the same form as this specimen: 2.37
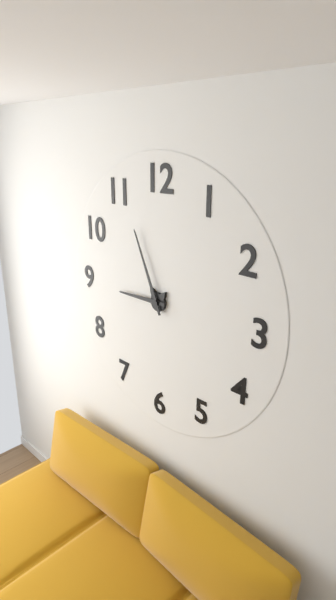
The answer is 8.56
